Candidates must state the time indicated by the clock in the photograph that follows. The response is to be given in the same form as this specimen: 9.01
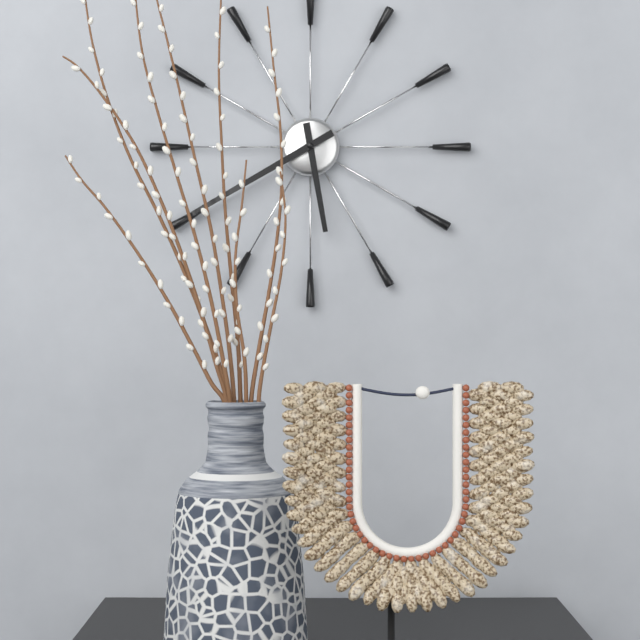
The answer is 5.40
